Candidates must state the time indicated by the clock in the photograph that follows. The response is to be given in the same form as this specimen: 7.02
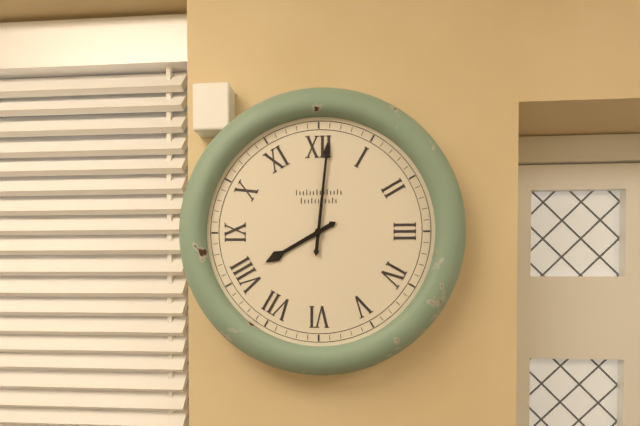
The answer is 8.01
